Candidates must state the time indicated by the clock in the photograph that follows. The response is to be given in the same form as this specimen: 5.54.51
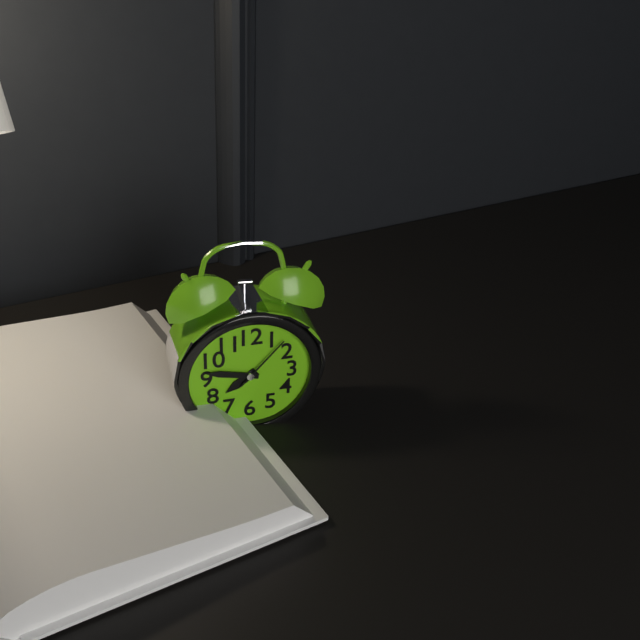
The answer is 7.47.07
